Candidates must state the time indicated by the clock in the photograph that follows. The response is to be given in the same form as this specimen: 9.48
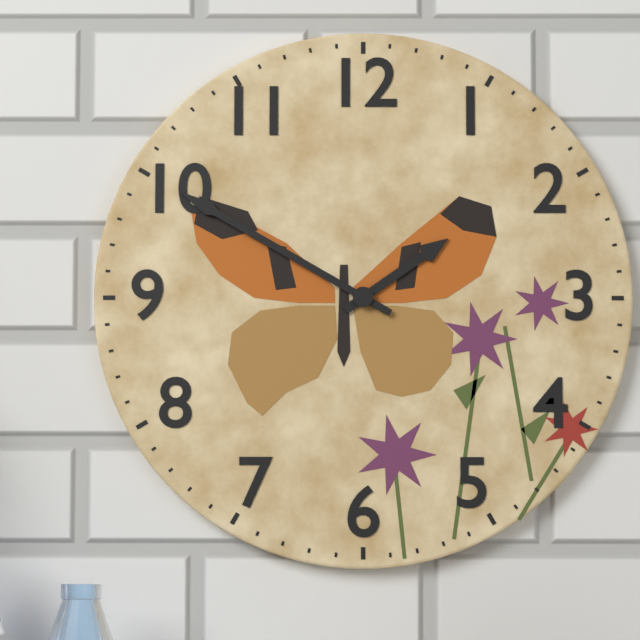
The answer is 1.50
